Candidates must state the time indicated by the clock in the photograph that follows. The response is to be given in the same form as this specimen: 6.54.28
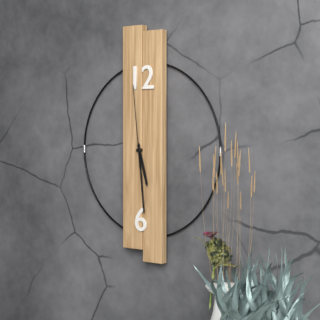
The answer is 5.29.59
